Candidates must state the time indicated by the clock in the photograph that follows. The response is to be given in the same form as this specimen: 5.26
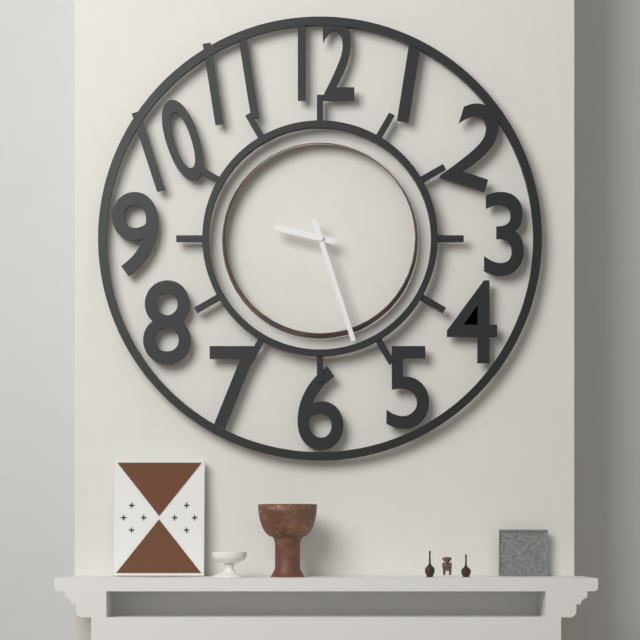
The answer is 9.27
